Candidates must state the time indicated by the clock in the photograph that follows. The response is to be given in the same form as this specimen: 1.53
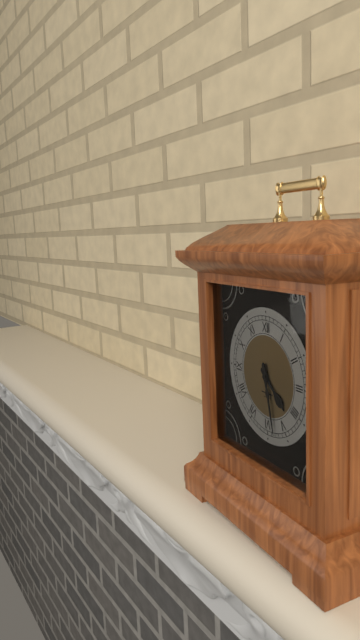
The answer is 4.28
